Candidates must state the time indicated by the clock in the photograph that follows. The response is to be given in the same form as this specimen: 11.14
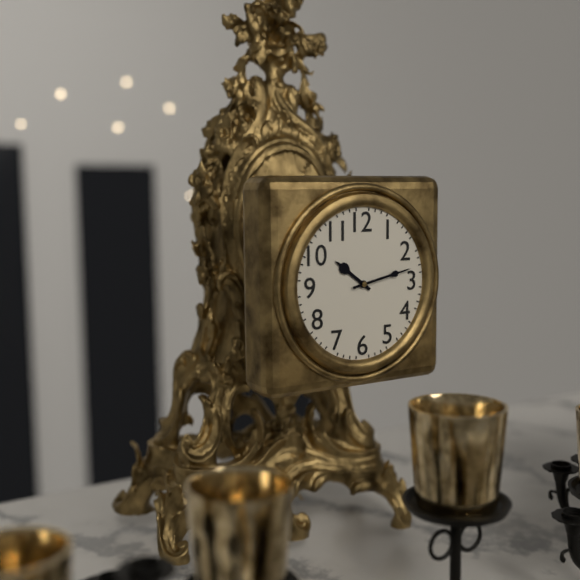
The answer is 10.13
